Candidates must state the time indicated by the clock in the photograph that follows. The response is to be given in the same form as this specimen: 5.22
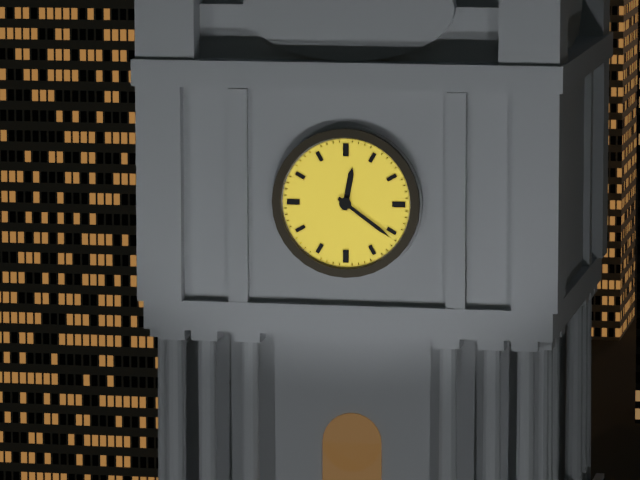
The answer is 12.21
